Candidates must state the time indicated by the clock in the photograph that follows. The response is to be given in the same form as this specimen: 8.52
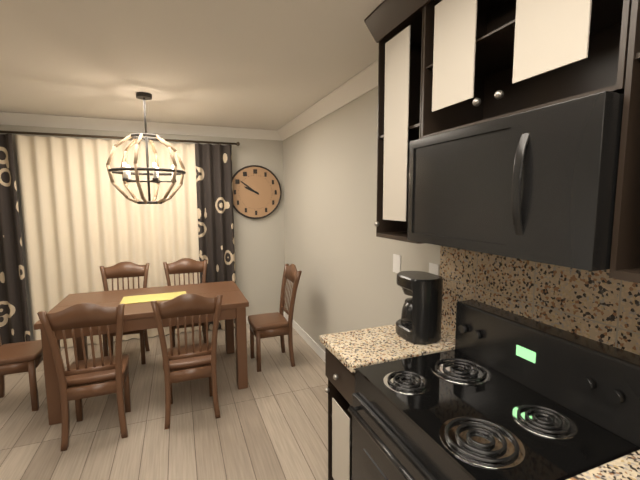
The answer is 9.51
